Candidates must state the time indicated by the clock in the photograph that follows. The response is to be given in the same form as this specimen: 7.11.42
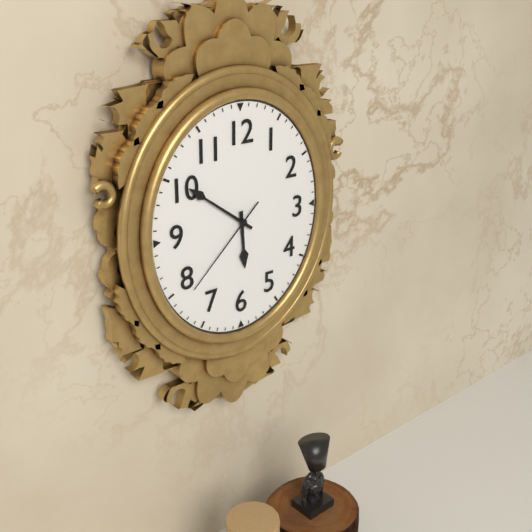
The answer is 5.51.38
